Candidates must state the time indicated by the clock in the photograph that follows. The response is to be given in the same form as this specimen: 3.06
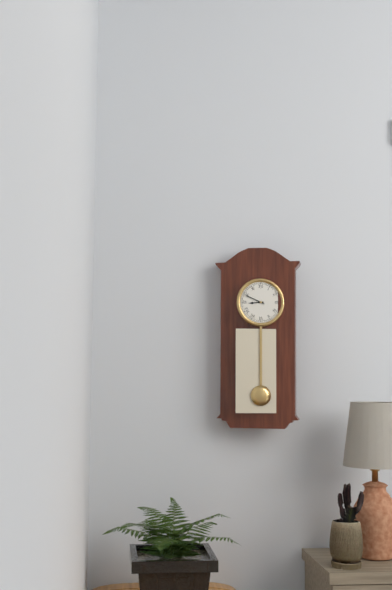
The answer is 8.49
